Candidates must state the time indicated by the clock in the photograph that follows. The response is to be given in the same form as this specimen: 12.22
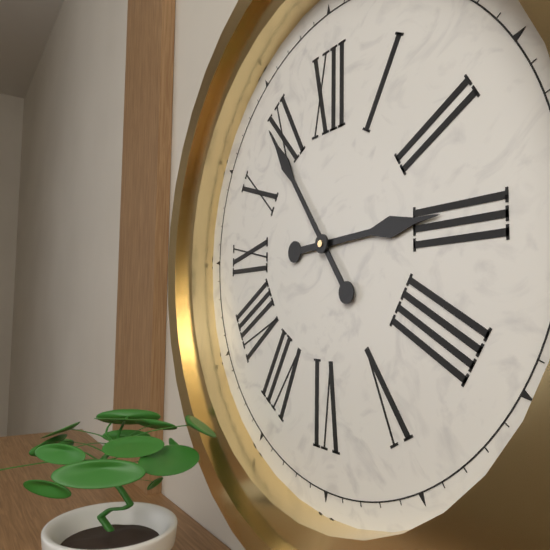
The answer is 2.54
